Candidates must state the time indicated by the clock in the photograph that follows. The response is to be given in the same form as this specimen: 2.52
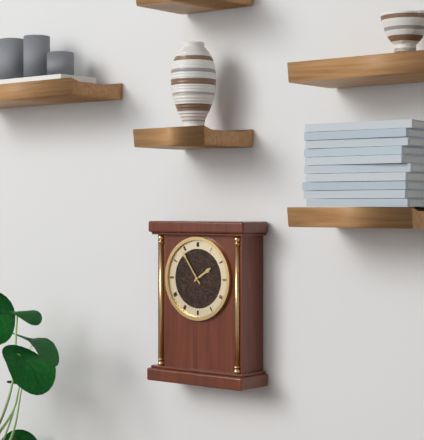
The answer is 1.54
